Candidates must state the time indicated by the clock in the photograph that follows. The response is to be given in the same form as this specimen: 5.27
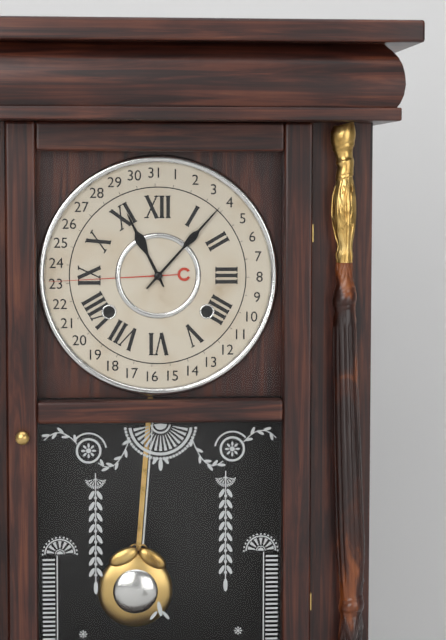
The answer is 11.07
